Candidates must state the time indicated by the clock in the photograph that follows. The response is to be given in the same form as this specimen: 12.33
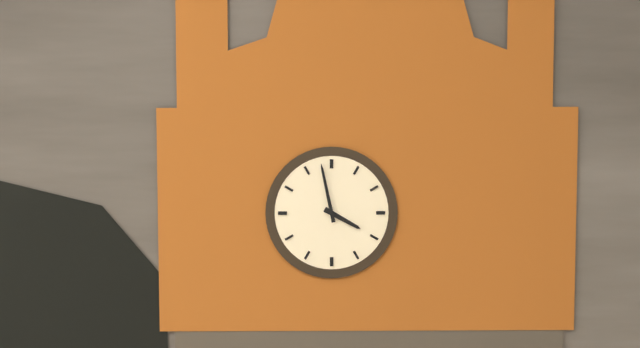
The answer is 3.58
